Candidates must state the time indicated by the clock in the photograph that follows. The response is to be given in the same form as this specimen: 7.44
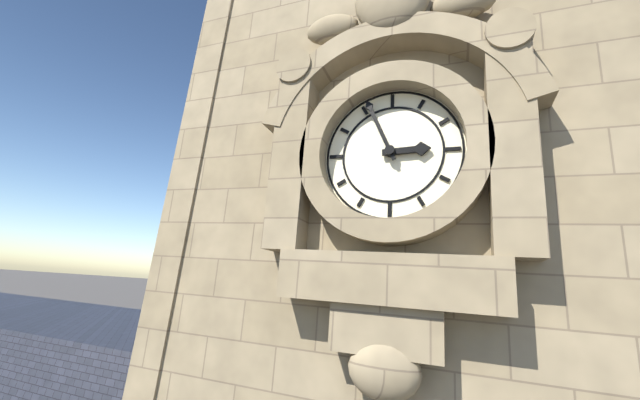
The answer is 2.56
